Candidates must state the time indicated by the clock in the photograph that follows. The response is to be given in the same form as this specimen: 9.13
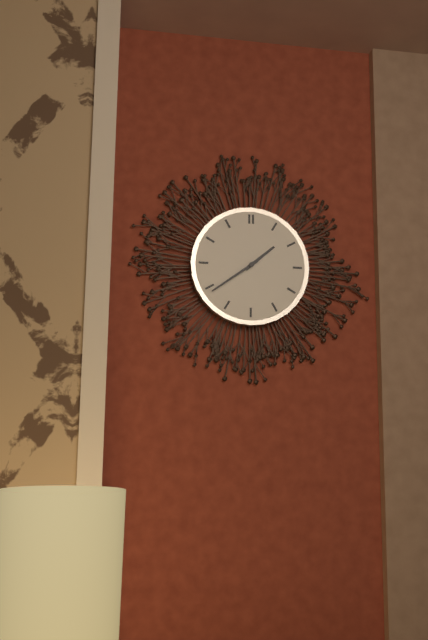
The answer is 1.39
